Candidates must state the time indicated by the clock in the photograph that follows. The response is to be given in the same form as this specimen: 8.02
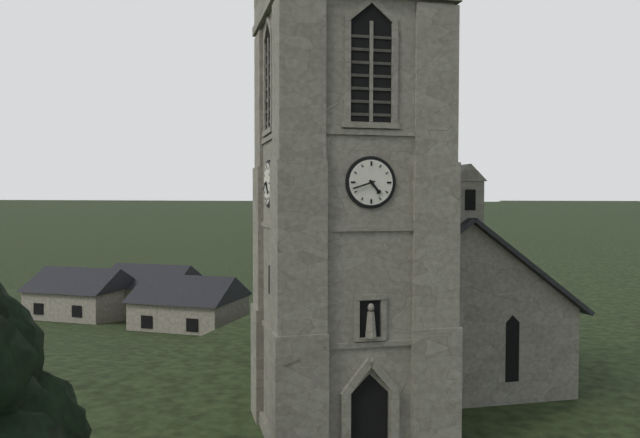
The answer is 4.42
